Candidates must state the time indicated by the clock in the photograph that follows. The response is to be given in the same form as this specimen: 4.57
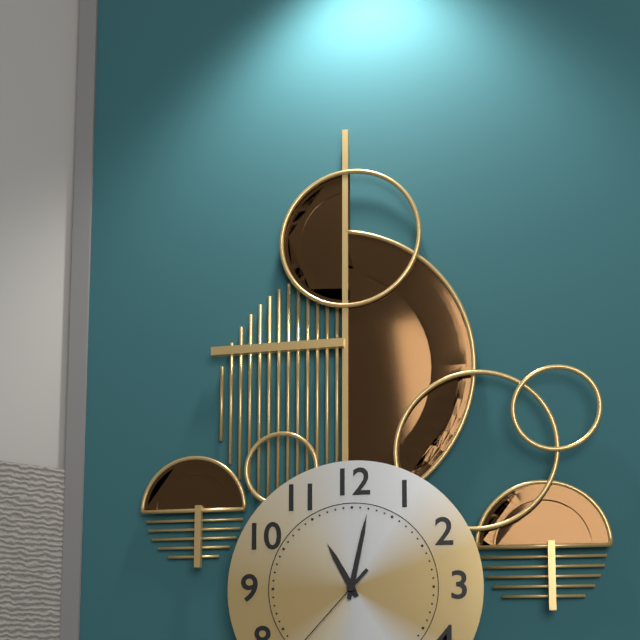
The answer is 11.02
